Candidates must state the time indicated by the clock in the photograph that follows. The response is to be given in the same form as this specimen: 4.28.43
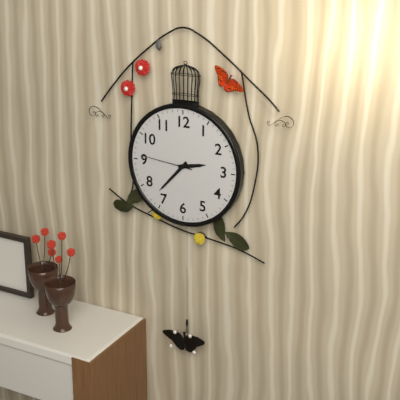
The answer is 2.37.46
